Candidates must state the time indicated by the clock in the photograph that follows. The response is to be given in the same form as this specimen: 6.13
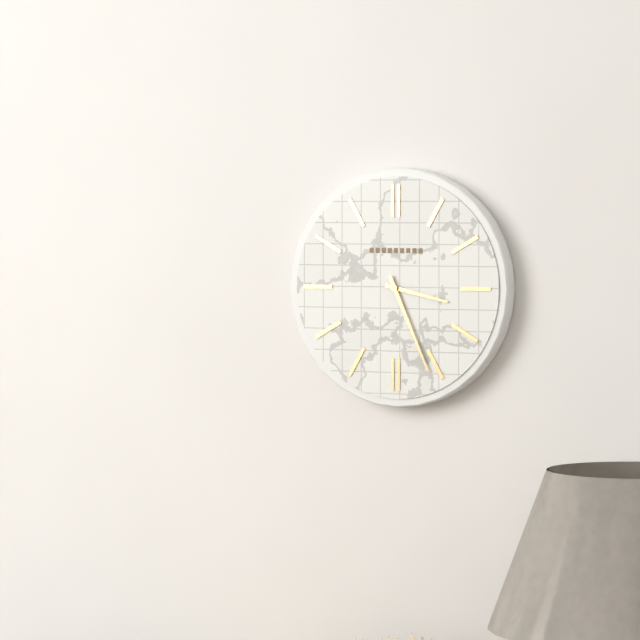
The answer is 3.26
